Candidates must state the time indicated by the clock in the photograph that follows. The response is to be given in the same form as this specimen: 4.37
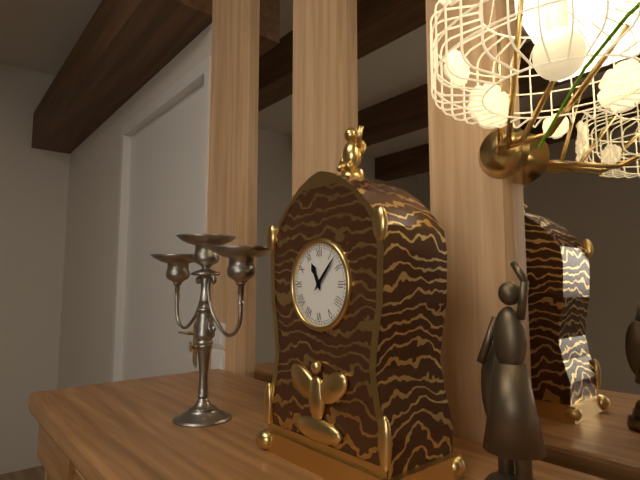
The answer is 11.07
